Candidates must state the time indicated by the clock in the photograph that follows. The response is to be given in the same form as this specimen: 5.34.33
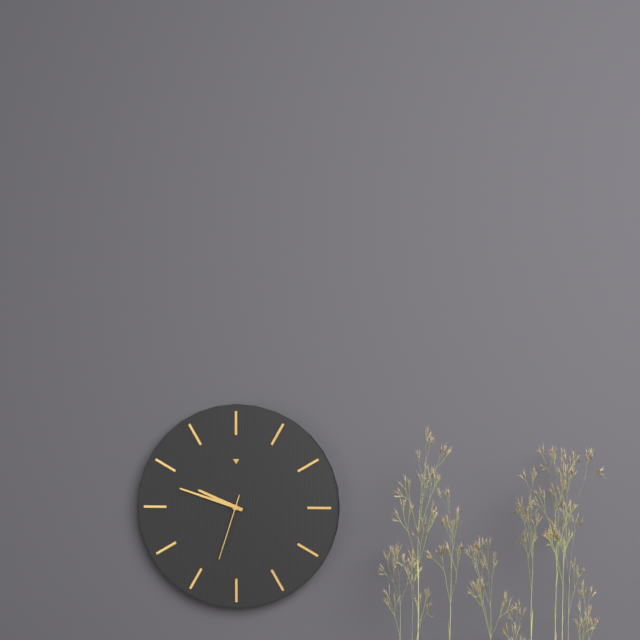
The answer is 9.48.33
